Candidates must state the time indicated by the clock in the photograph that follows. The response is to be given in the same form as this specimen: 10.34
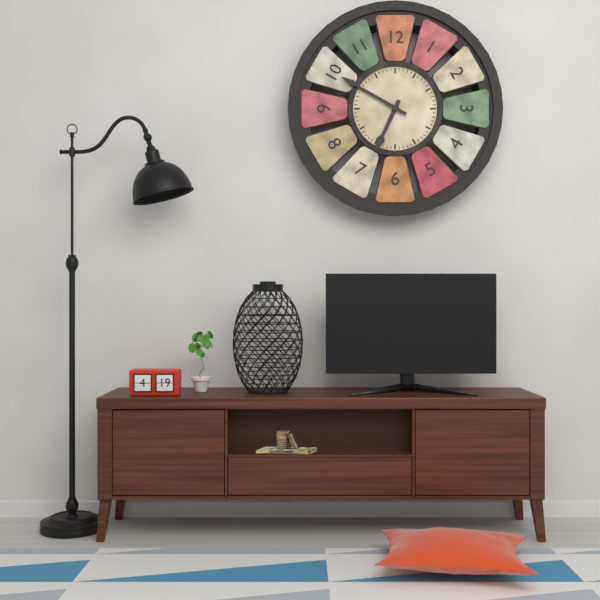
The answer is 6.50
